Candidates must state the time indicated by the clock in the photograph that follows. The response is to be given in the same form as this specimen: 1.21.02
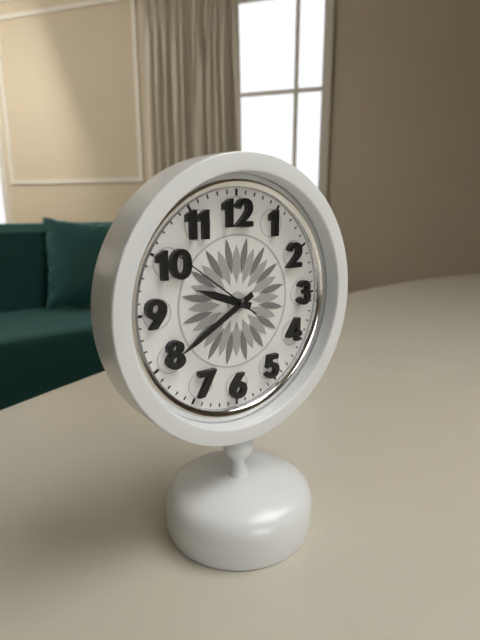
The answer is 9.40.51
